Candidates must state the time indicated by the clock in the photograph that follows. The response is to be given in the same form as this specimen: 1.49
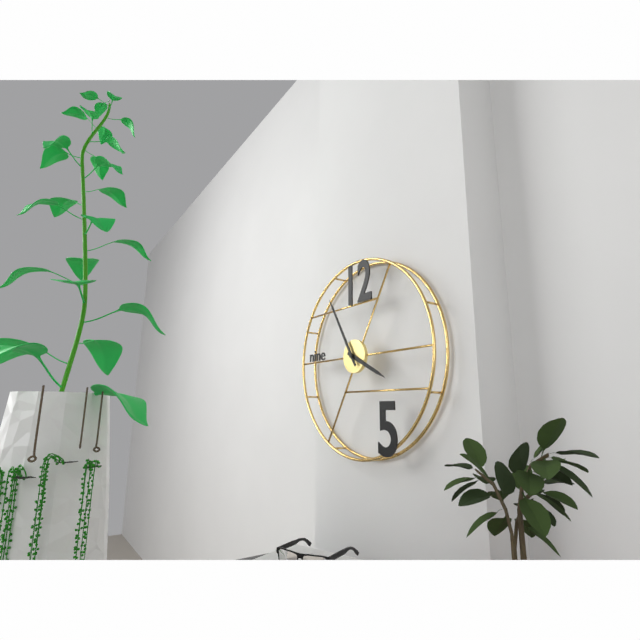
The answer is 3.55
